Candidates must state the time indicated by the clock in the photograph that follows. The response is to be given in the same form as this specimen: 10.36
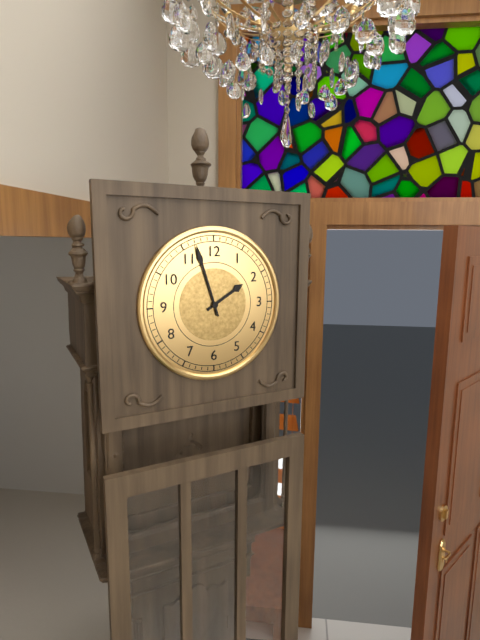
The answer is 1.57
